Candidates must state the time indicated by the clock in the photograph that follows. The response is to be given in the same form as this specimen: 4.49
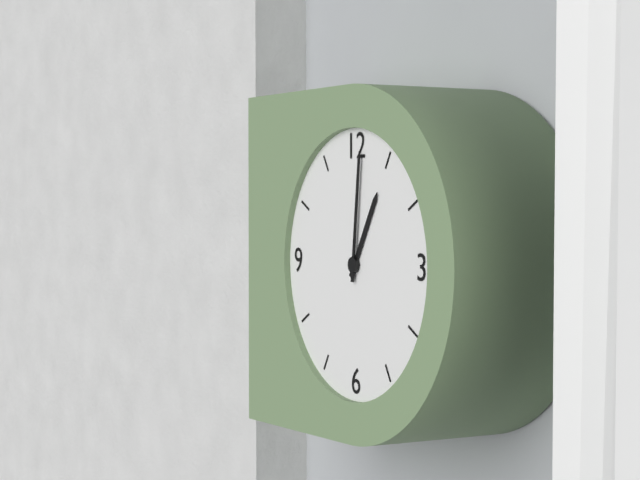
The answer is 1.01
